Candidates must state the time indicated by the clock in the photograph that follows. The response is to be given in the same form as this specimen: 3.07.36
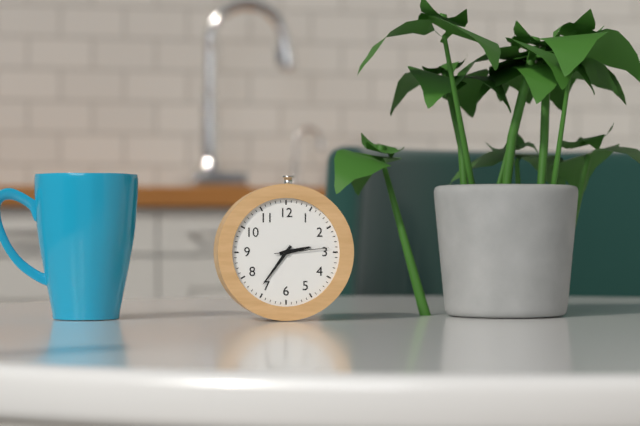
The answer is 2.36.14
